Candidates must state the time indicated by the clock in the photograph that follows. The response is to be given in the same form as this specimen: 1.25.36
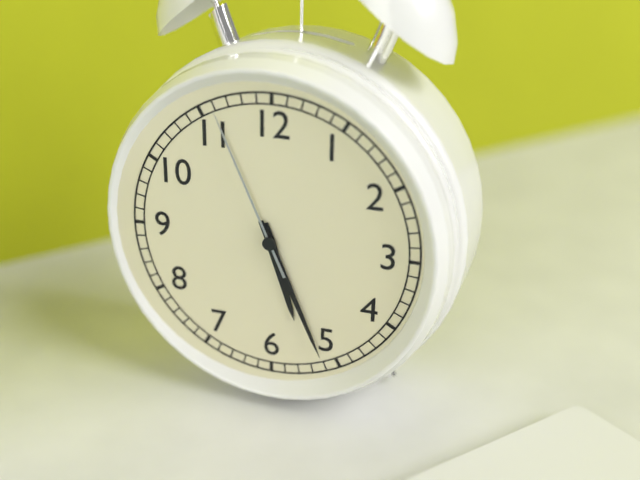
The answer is 5.26.56
